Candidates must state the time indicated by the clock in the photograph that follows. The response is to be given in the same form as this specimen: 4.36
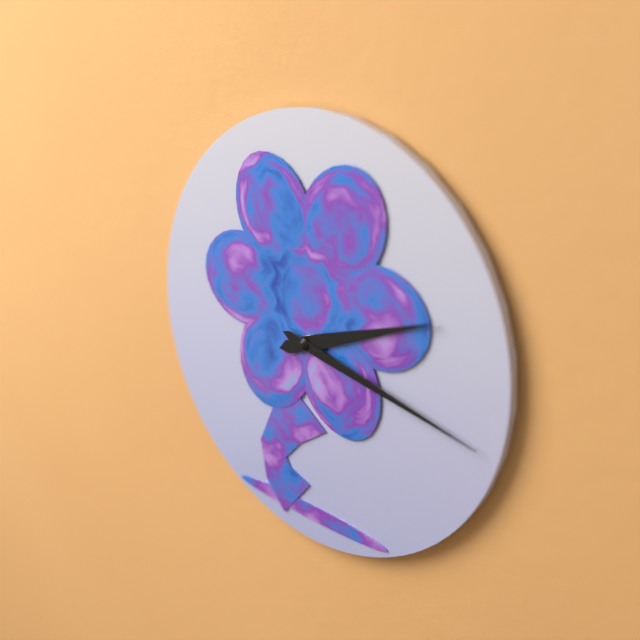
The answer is 2.17
